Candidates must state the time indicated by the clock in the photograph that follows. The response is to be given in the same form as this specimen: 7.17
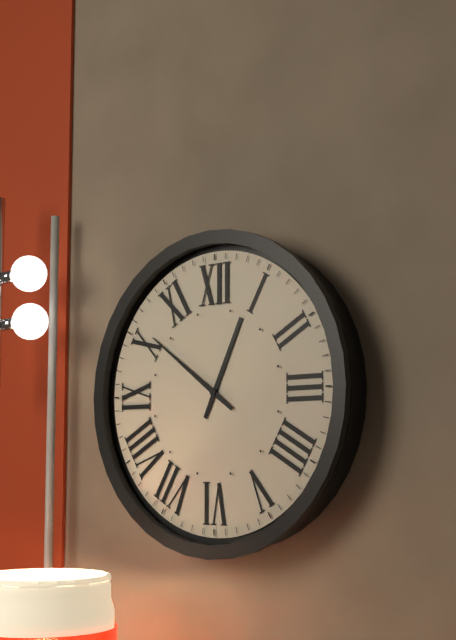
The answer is 12.51
